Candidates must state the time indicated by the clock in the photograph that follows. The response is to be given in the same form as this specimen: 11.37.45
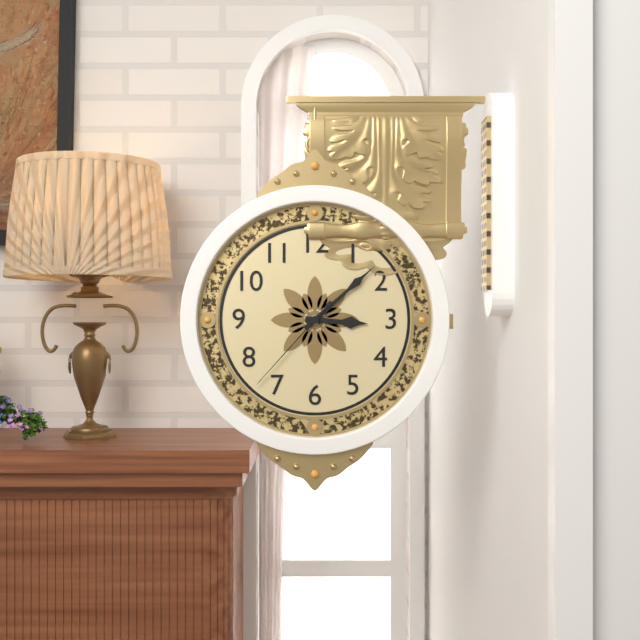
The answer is 3.08.37
